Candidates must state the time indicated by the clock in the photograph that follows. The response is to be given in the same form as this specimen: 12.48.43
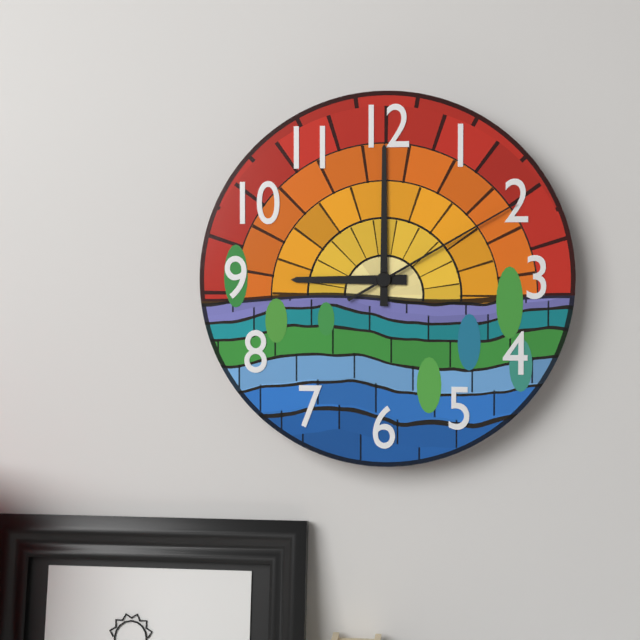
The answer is 9.00.10
